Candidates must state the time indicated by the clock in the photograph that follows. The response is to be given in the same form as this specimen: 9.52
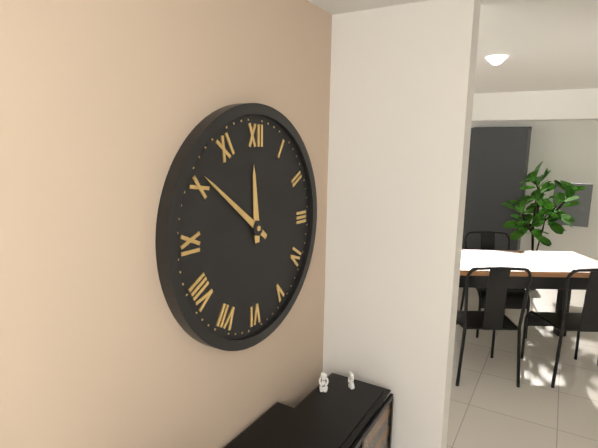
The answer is 11.51
